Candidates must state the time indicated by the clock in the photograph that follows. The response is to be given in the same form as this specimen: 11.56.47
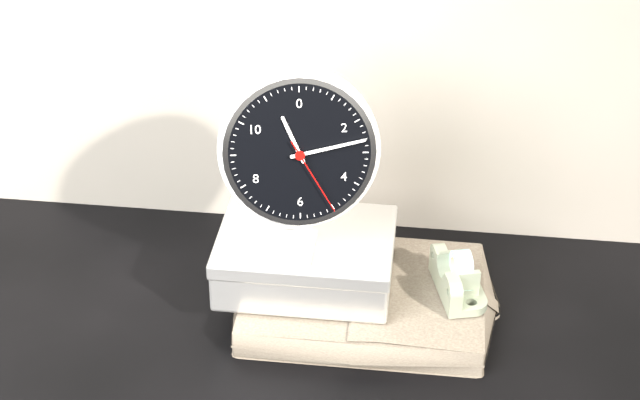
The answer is 11.13.25
